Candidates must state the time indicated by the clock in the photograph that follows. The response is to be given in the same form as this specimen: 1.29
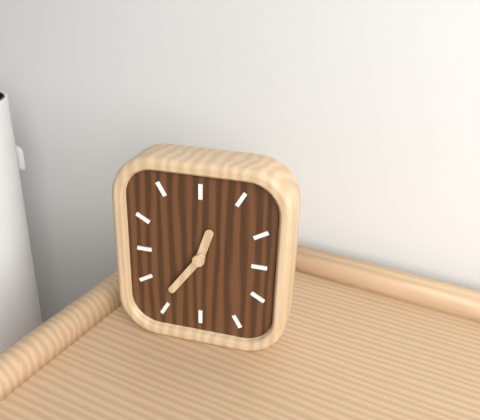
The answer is 12.36
